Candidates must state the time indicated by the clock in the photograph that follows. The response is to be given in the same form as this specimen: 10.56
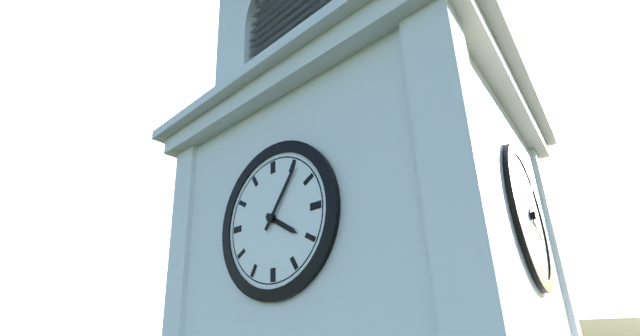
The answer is 4.06
